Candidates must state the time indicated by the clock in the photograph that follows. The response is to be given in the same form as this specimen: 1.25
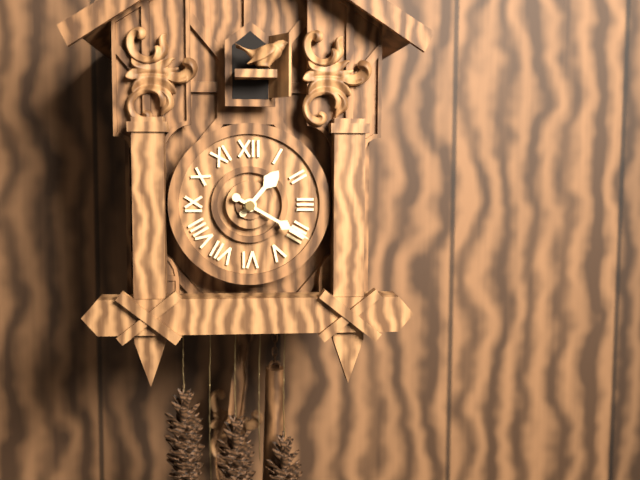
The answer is 1.20
